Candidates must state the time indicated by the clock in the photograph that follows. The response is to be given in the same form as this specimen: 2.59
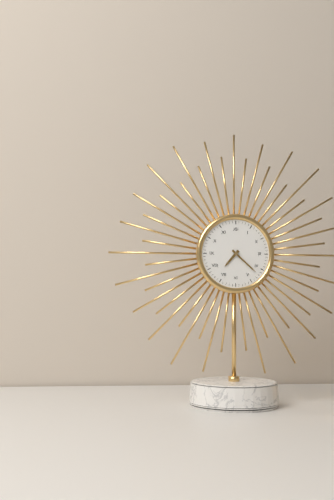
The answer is 7.22
